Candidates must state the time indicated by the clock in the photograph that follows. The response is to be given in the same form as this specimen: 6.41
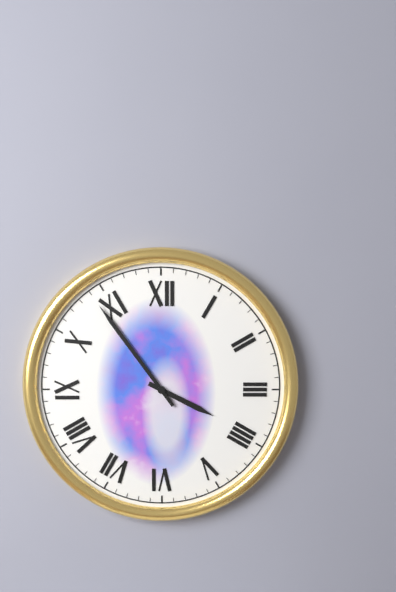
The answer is 3.54
